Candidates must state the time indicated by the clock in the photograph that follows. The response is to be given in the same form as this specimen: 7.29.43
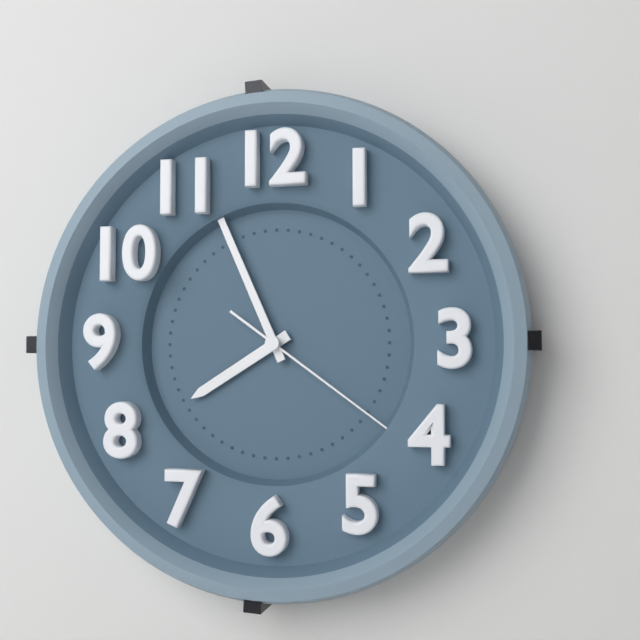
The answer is 7.56.21
